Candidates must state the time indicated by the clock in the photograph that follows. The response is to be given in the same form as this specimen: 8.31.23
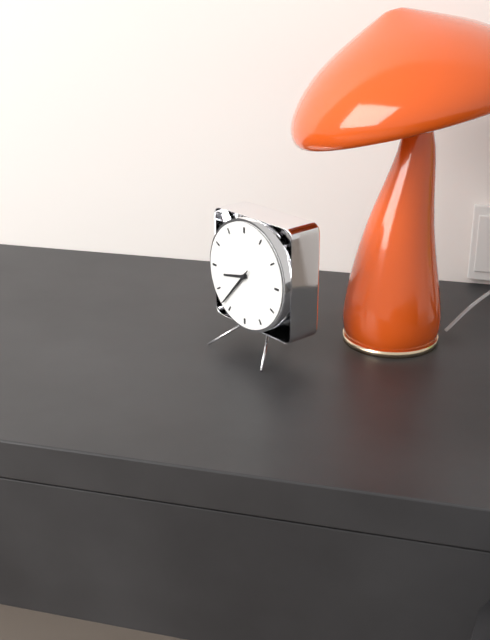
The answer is 8.37.37
